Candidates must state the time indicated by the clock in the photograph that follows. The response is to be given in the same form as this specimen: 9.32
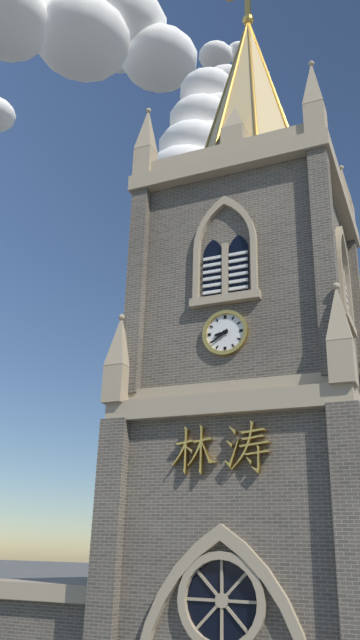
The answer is 8.39
